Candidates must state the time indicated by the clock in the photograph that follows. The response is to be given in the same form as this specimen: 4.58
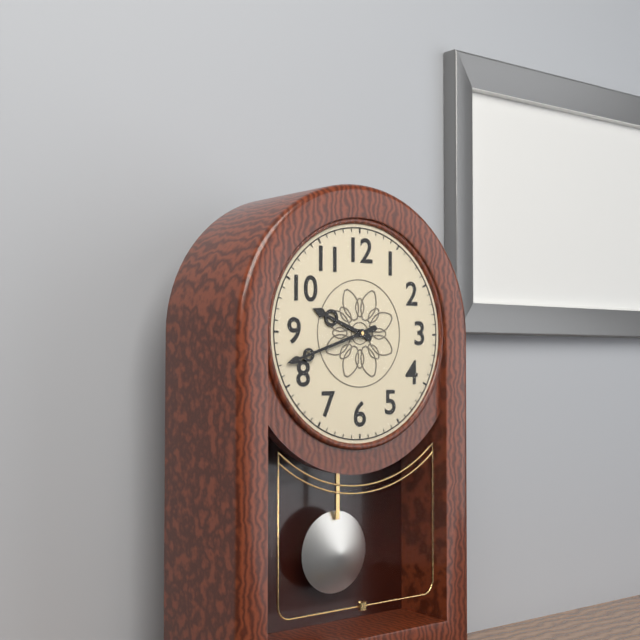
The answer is 9.42
